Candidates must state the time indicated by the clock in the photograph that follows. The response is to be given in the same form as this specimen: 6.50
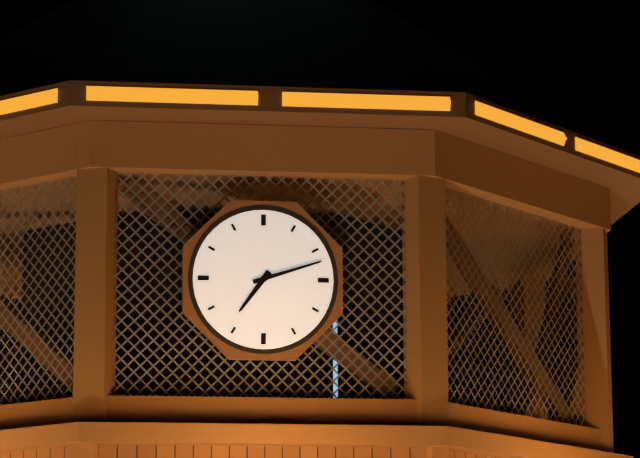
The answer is 7.12
